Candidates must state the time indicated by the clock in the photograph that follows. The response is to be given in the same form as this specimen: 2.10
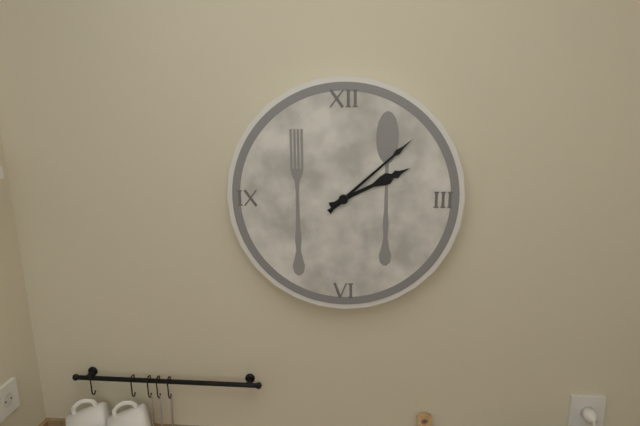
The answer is 2.08
